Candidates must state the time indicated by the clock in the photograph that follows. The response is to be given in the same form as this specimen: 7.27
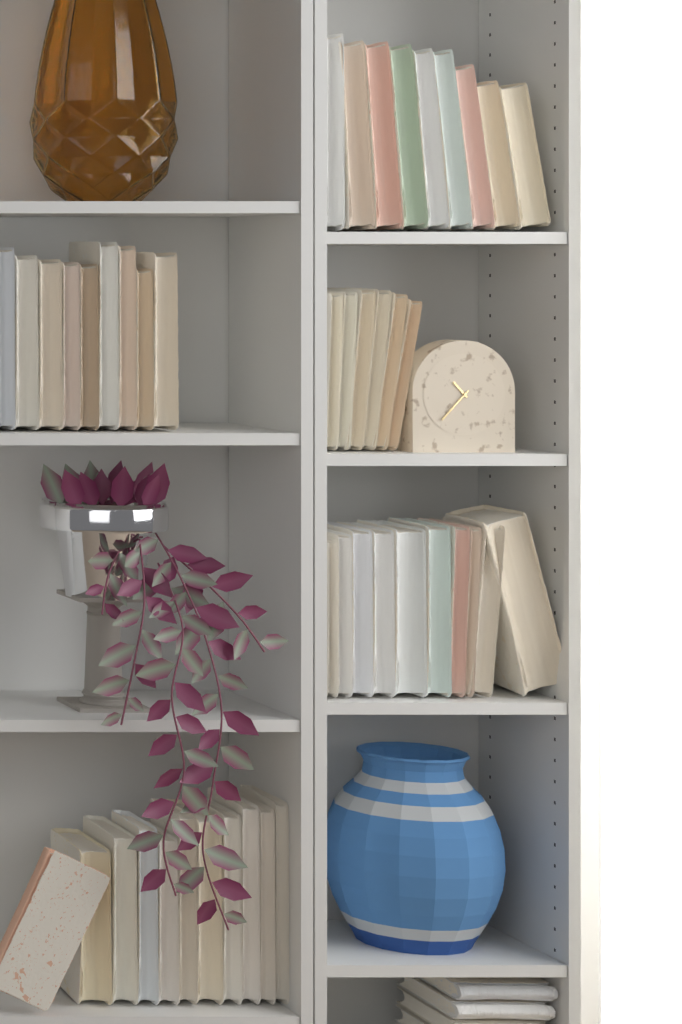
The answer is 10.37
